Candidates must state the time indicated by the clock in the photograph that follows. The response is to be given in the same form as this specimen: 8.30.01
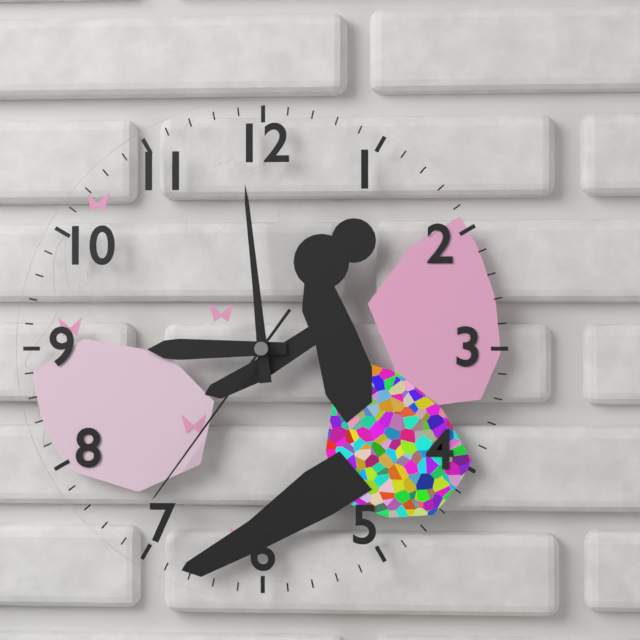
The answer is 8.59.36
